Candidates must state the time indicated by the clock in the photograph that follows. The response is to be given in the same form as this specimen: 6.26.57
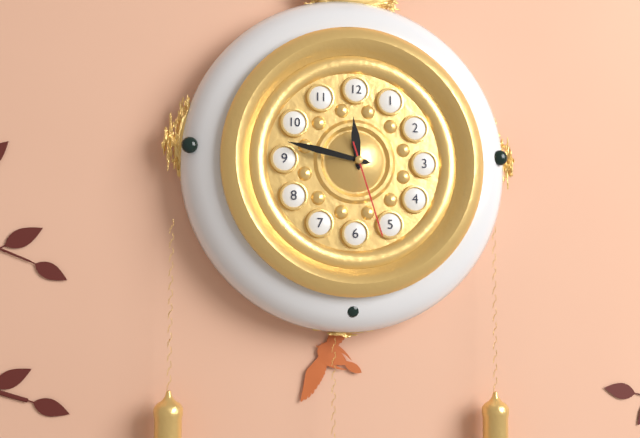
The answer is 11.47.27
